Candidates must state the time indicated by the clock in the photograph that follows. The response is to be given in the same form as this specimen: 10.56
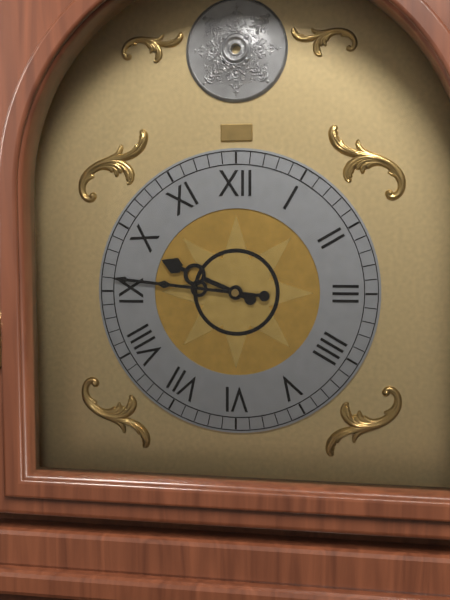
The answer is 9.46
